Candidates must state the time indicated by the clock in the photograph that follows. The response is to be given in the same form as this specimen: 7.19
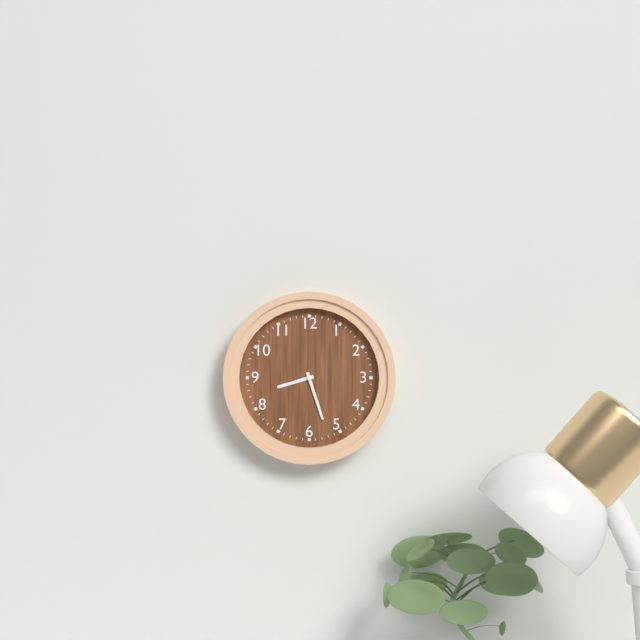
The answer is 8.27
